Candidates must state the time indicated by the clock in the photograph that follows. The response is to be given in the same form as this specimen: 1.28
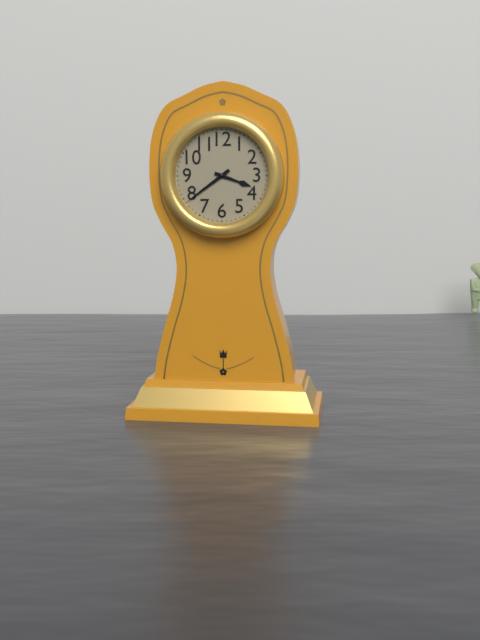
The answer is 3.39
